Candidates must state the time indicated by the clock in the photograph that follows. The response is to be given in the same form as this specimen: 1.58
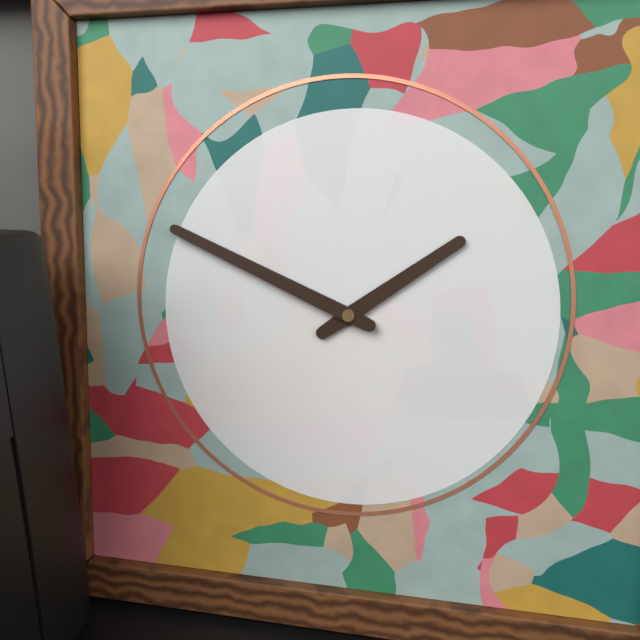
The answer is 1.49
